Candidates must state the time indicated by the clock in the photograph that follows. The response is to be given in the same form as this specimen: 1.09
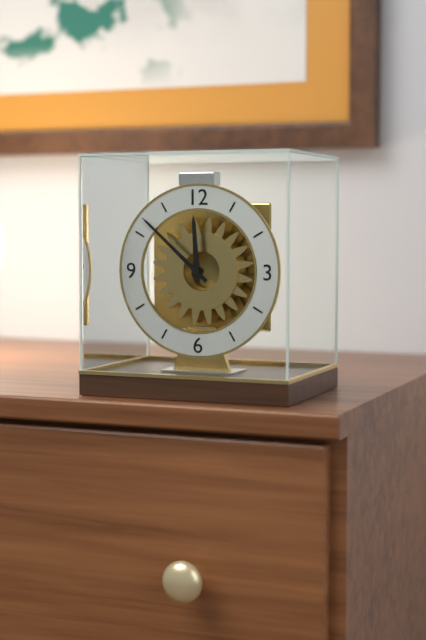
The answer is 11.52
